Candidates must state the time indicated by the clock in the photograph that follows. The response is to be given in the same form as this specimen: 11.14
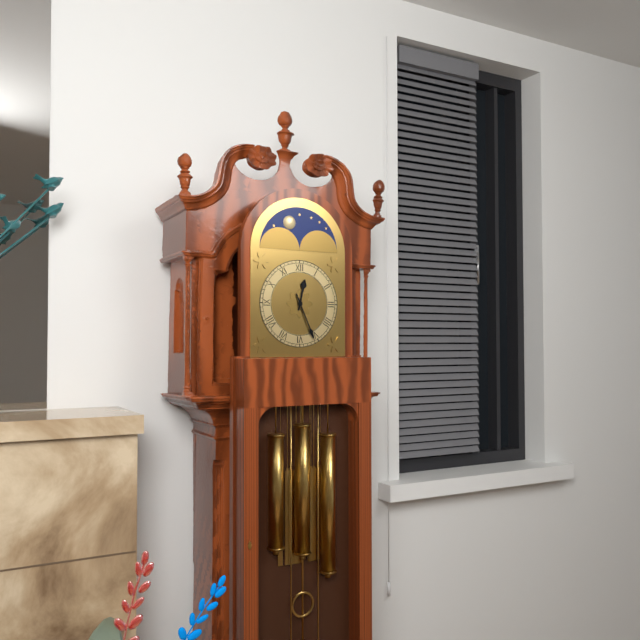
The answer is 12.26
